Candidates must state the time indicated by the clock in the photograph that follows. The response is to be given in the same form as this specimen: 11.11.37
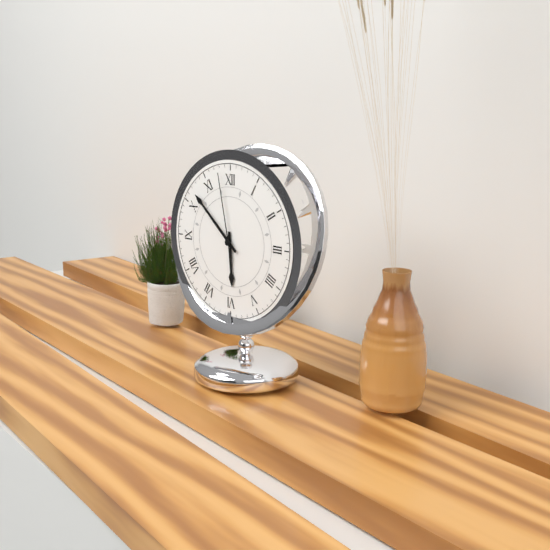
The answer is 5.52.58
